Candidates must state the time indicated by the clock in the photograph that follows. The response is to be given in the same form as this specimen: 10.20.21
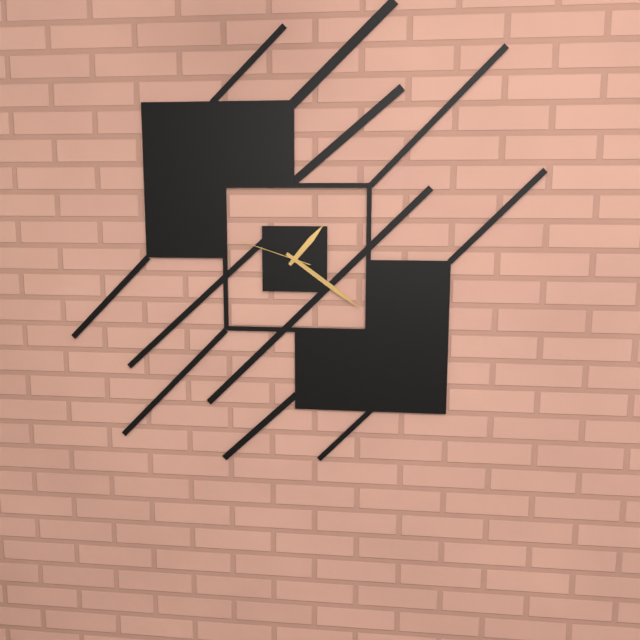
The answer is 1.21.48
